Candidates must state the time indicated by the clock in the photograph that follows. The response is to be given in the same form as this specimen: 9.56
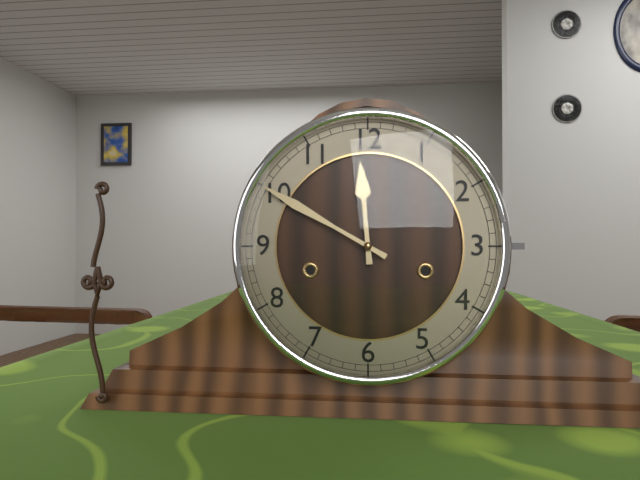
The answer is 11.50
